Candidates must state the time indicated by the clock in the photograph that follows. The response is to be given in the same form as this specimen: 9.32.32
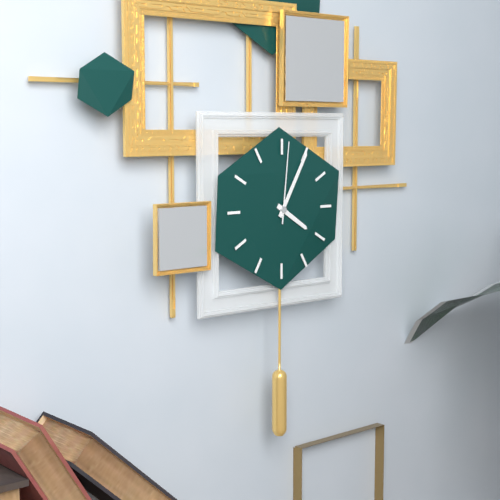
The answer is 4.05.01
